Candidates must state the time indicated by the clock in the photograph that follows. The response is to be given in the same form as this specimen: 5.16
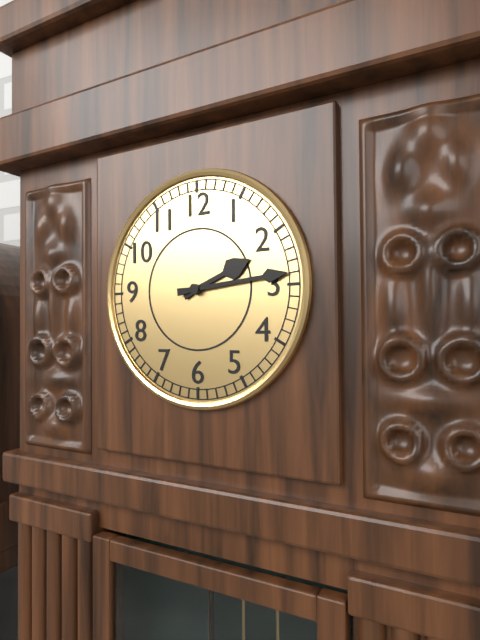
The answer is 2.14
